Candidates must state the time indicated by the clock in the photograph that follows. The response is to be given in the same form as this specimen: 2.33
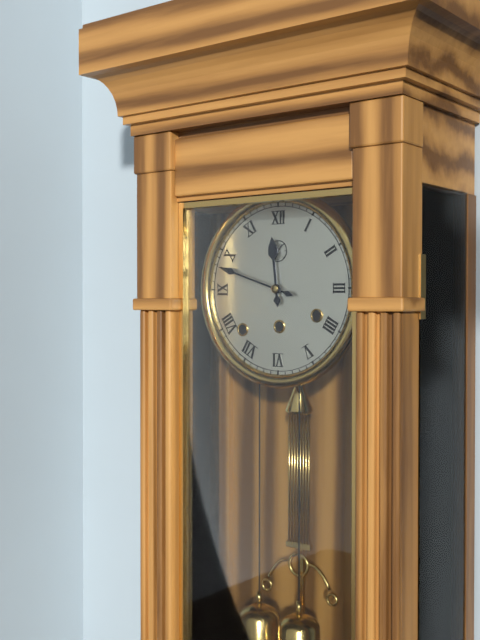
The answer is 11.48
